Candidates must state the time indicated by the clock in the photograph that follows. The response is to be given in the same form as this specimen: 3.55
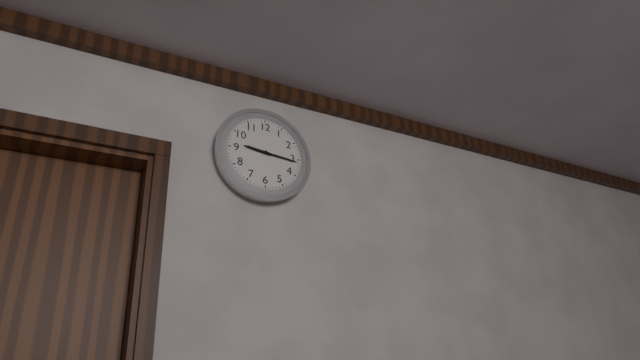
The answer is 9.16
